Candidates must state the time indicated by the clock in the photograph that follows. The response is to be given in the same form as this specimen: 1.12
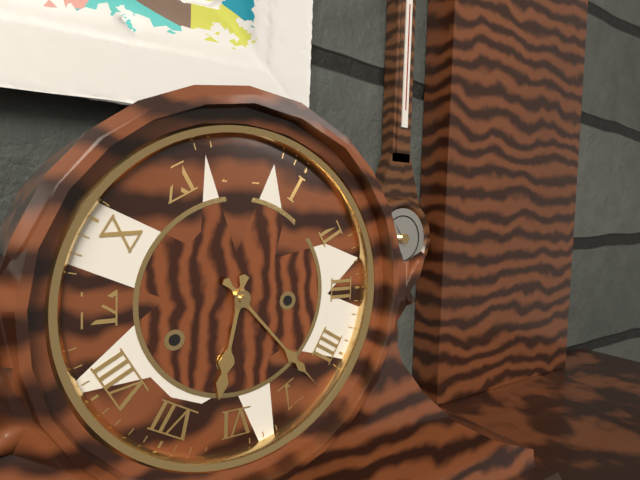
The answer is 6.23
